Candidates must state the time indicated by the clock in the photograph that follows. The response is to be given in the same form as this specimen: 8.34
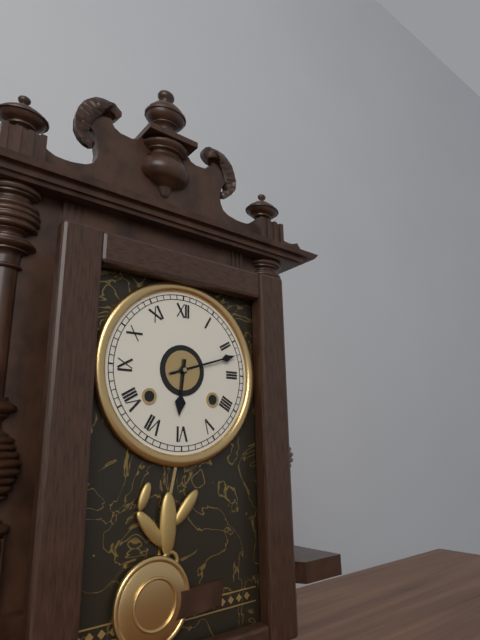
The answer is 6.12
